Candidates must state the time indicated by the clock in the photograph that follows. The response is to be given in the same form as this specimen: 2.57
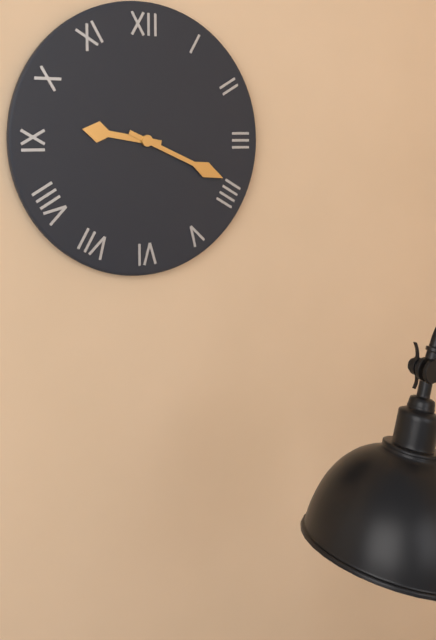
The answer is 9.19
